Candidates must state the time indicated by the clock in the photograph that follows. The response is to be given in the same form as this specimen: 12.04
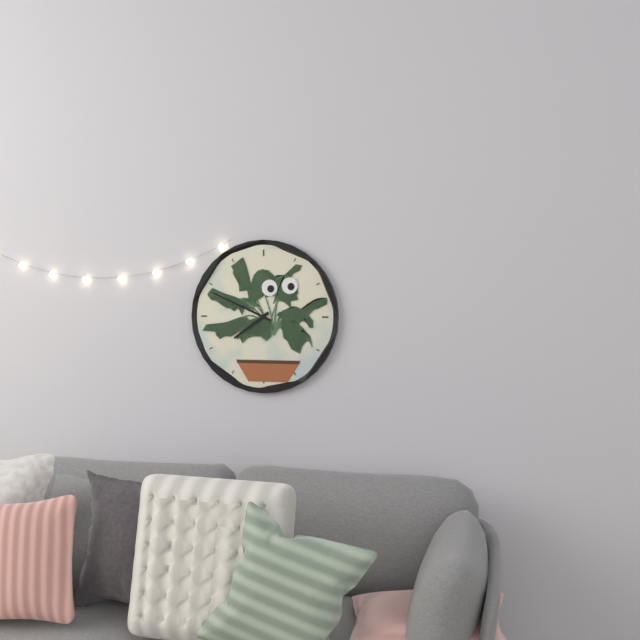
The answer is 7.49
